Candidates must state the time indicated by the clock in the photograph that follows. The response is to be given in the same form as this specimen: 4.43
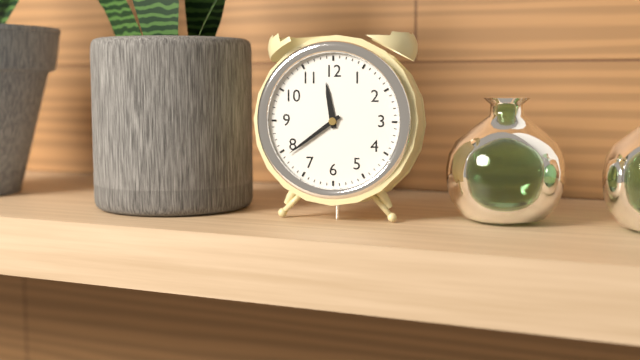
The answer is 11.39
